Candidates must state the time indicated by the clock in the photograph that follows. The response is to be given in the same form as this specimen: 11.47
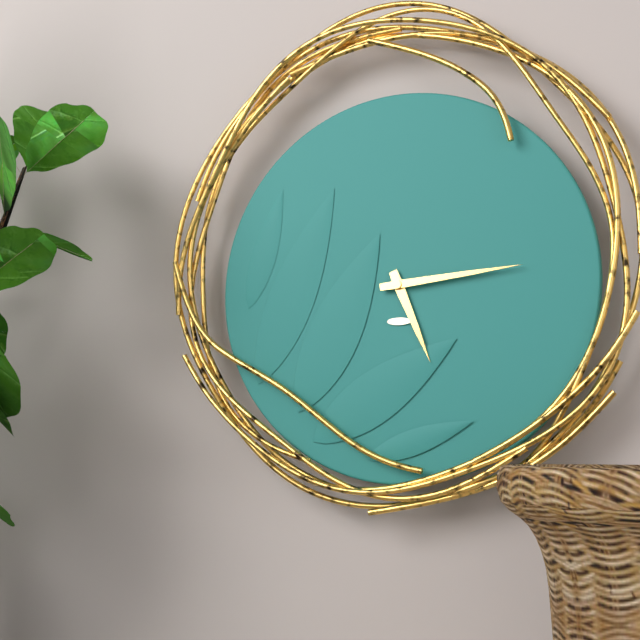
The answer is 5.14
